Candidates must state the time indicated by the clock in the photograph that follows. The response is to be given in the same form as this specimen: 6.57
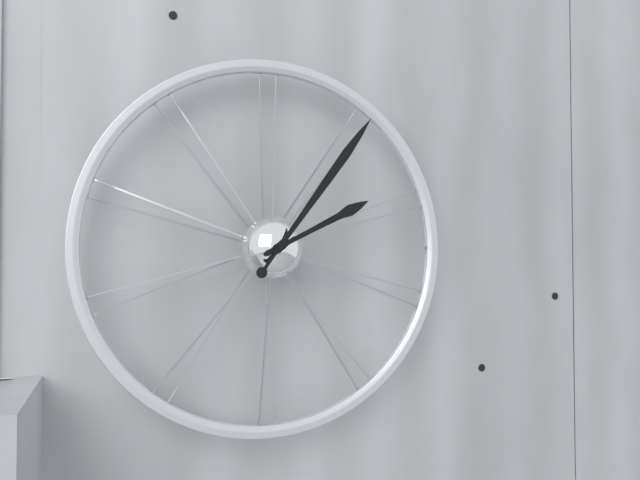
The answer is 2.06
